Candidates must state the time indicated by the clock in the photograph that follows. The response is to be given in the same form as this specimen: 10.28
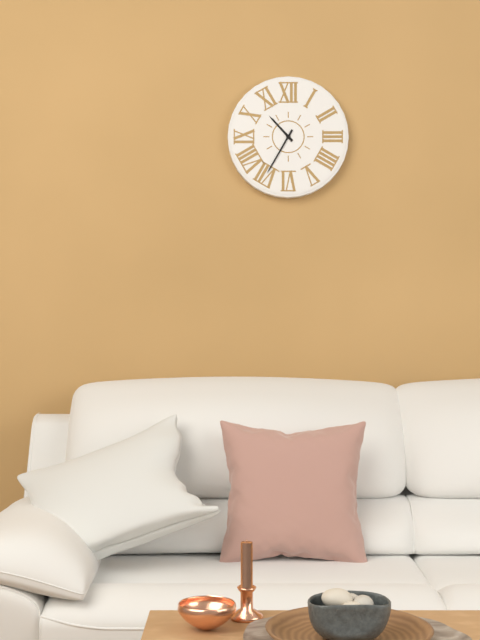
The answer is 10.35
